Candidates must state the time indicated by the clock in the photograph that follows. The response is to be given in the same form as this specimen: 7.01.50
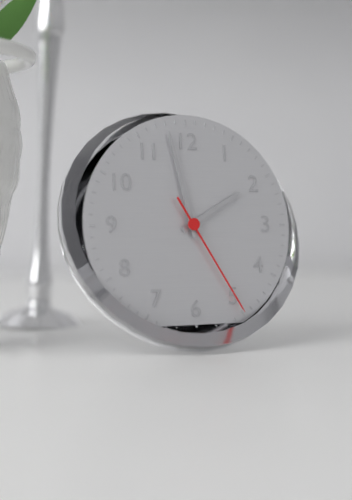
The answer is 1.58.25
